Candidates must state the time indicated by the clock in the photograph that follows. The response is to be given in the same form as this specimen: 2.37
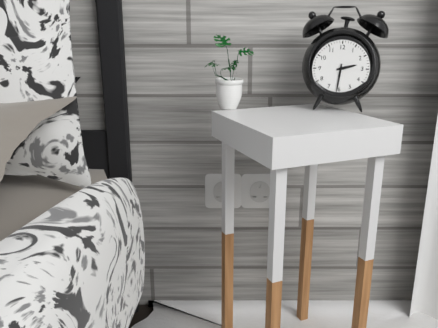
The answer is 2.31
